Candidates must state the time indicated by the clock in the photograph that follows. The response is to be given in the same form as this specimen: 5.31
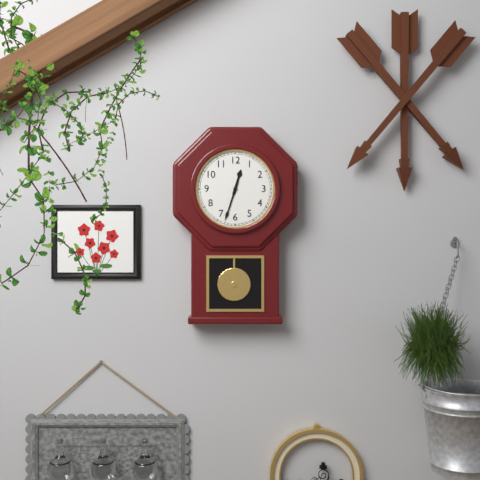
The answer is 12.33
